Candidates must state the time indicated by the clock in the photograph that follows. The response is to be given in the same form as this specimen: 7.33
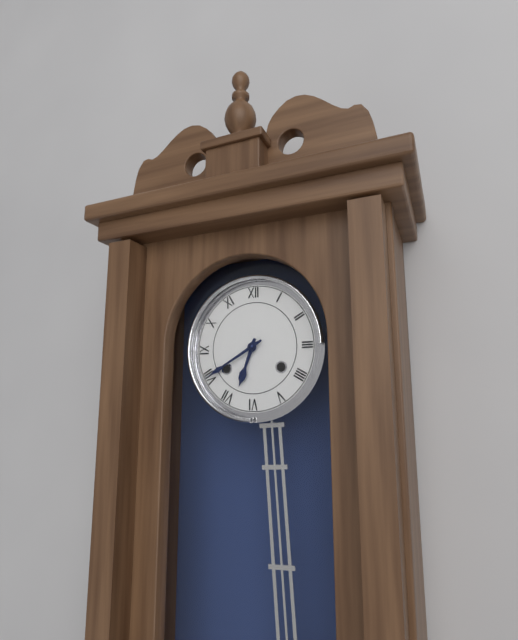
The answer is 6.40
